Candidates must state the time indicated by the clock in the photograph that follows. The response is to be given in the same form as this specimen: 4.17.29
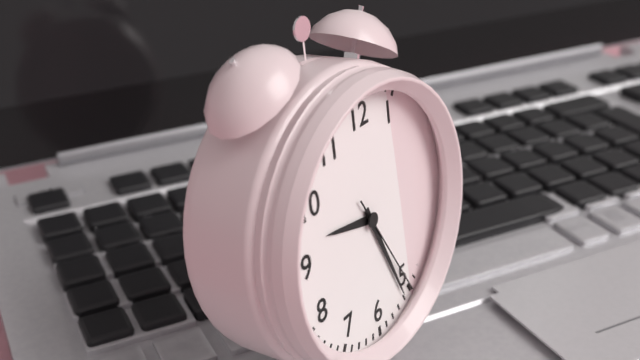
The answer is 9.26.25
